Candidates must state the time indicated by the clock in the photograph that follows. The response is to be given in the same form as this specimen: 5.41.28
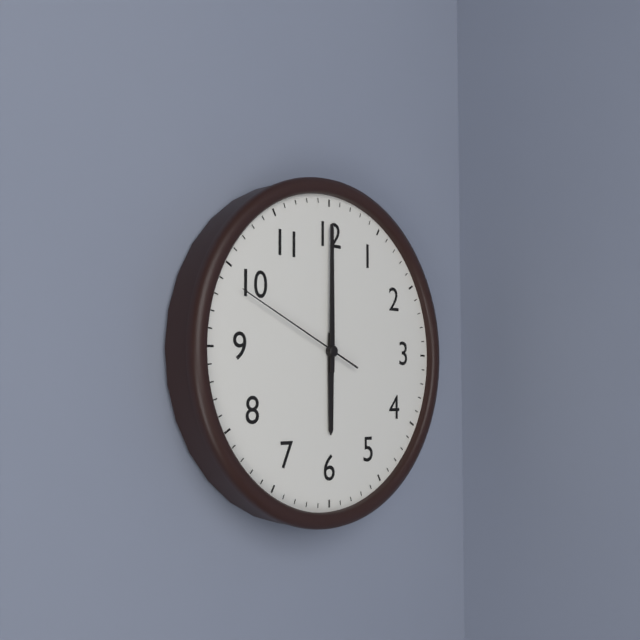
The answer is 6.00.49
